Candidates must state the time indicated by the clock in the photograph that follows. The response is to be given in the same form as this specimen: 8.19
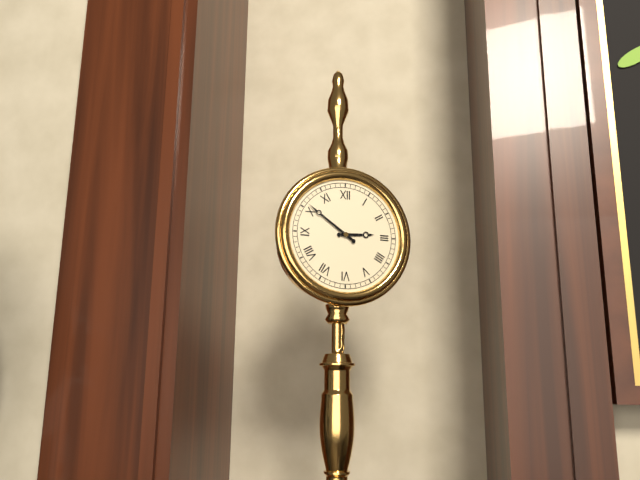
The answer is 2.51
